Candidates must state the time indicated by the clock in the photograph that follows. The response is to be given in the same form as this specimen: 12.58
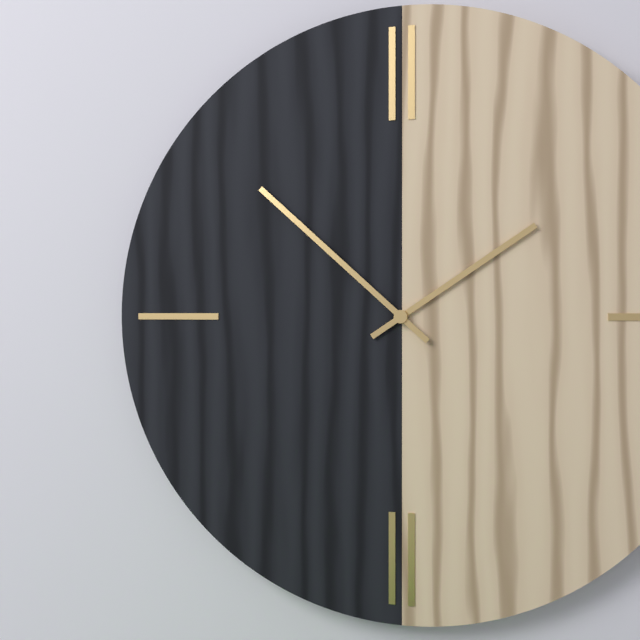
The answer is 1.52
